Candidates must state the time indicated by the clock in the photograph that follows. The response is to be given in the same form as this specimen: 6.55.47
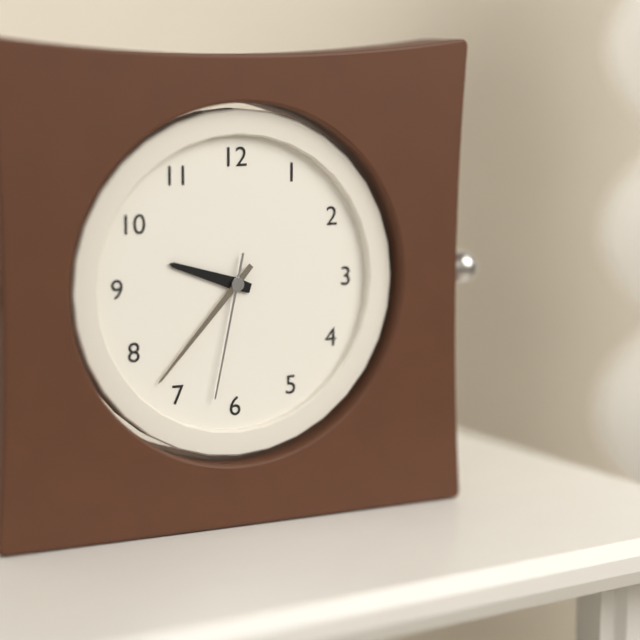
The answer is 9.37.32
